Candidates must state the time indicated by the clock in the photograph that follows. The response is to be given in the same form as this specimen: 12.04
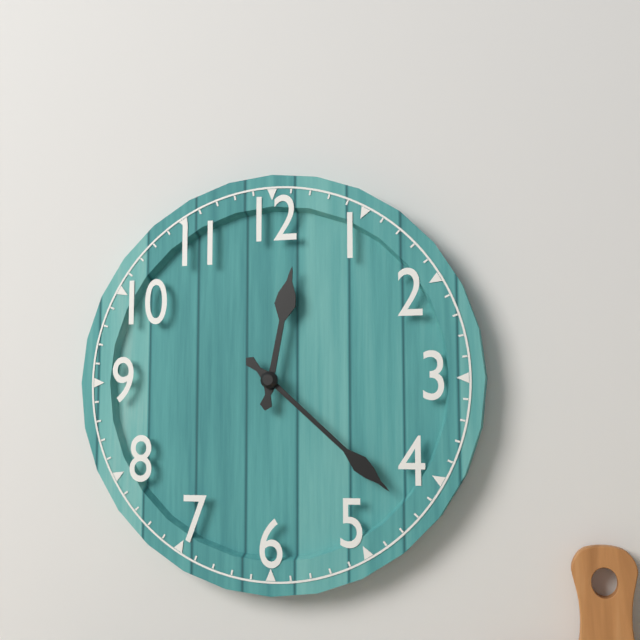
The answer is 12.22
